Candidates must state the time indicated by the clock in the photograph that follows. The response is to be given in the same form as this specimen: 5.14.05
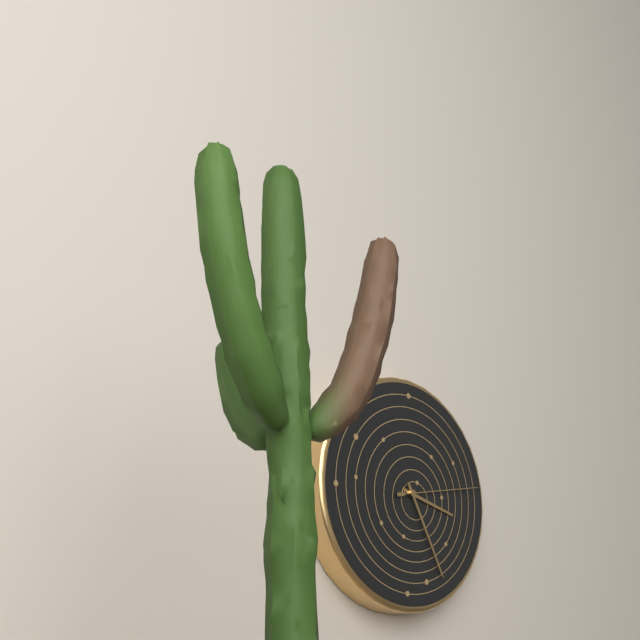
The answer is 3.25.13
